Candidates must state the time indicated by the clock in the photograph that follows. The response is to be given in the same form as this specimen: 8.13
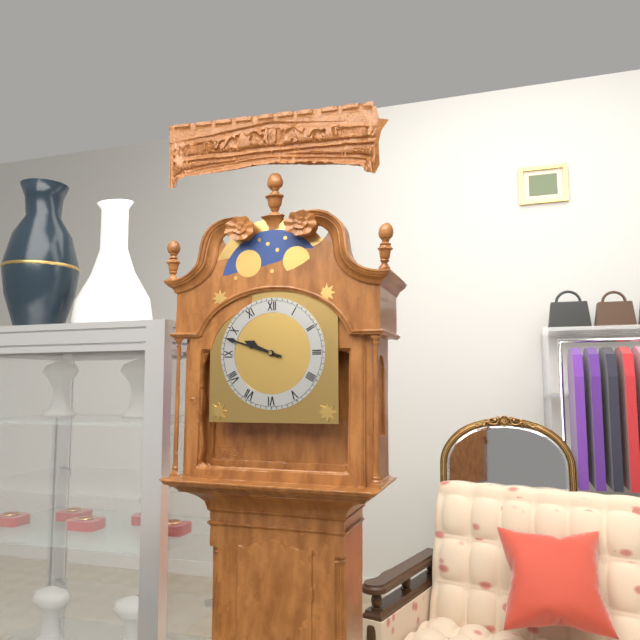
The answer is 9.48
